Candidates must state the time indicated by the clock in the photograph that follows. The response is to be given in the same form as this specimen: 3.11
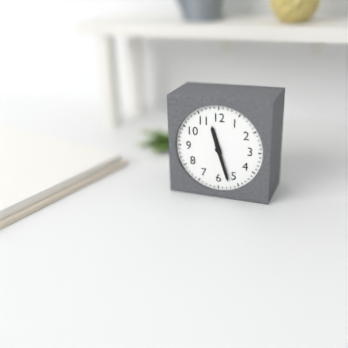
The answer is 11.27
